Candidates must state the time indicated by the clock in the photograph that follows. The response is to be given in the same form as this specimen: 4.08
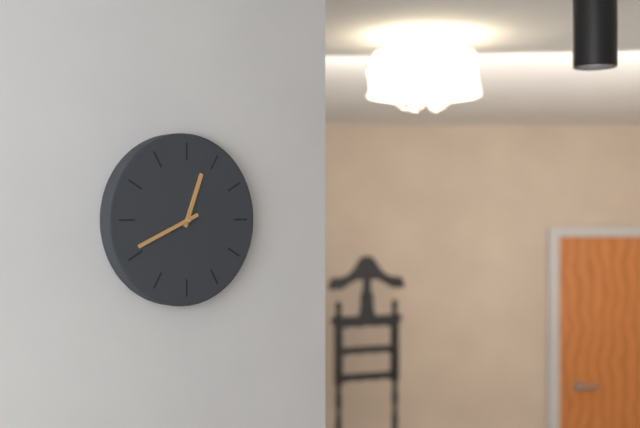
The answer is 12.41
